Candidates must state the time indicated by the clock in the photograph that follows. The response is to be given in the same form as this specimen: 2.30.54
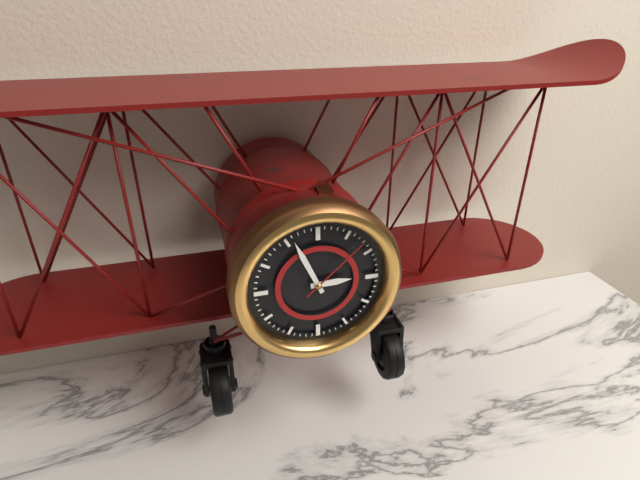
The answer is 2.56.08
